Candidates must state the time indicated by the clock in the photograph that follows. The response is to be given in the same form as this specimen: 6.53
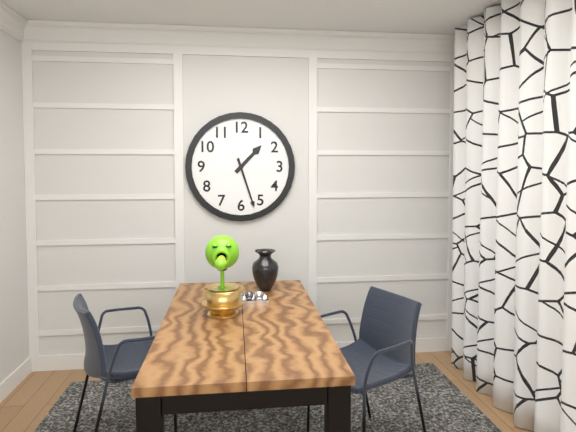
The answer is 1.27
